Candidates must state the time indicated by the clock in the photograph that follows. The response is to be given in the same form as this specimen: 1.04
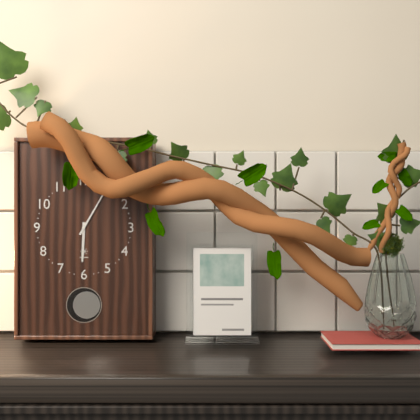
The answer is 6.05
